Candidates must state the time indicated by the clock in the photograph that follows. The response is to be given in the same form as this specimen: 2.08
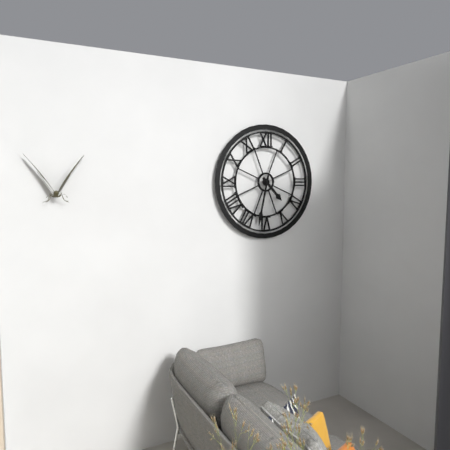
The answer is 4.32
